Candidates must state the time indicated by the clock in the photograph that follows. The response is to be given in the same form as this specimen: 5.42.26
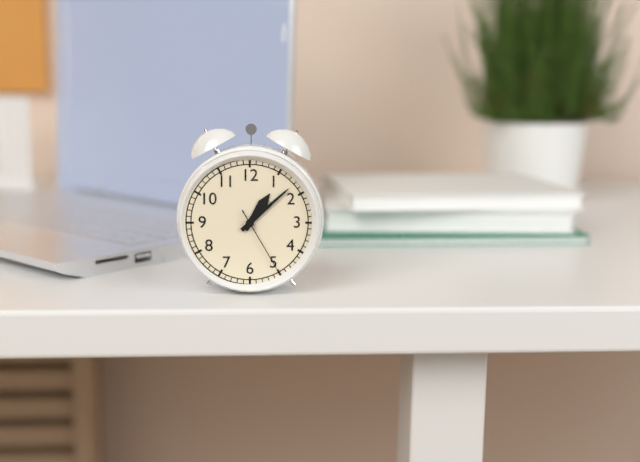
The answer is 1.08.25
